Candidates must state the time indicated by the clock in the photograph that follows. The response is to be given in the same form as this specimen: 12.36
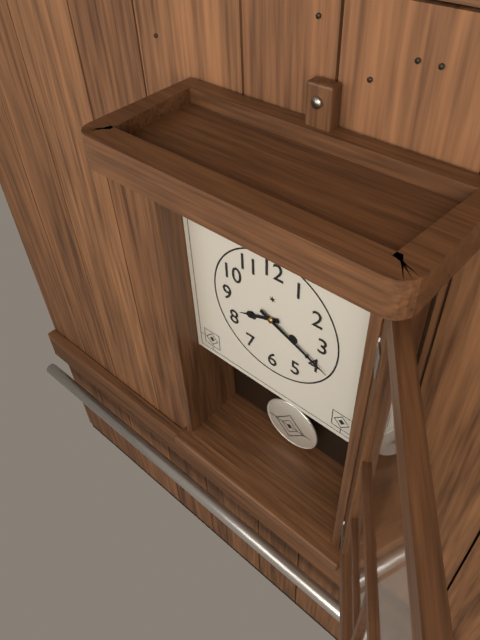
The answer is 8.19
